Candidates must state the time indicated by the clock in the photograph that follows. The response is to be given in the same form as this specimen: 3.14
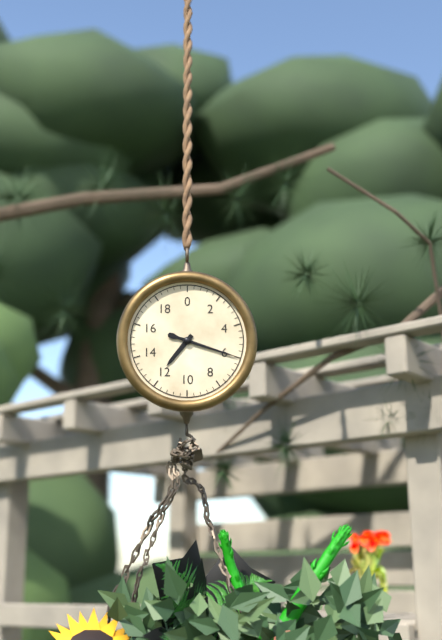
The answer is 7.18
